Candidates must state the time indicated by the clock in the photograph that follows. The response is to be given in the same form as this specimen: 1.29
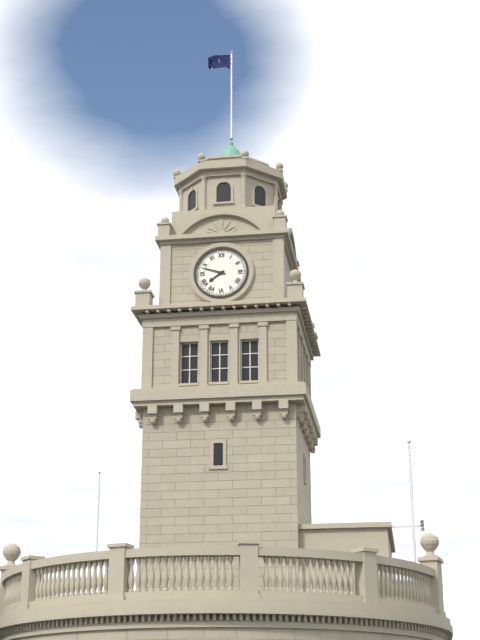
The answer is 7.48
